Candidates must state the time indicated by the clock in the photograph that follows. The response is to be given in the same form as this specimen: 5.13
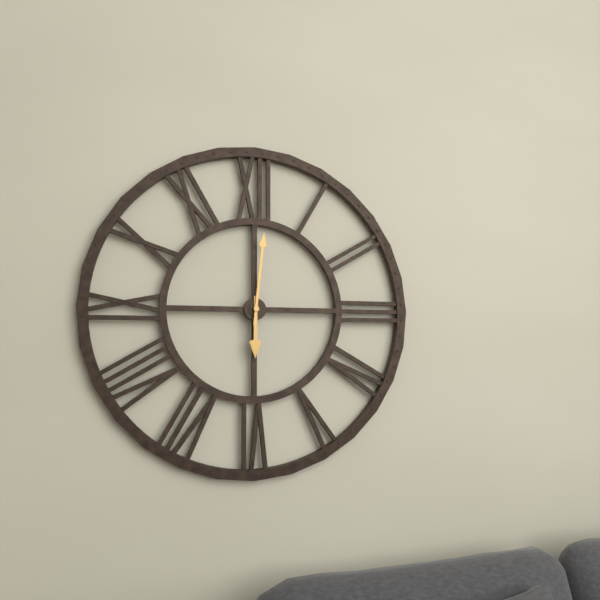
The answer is 6.01
